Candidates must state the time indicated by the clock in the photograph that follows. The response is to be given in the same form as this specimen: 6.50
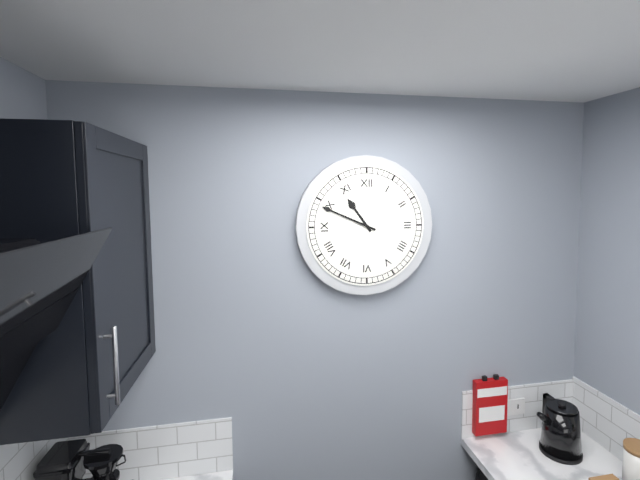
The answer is 10.49
